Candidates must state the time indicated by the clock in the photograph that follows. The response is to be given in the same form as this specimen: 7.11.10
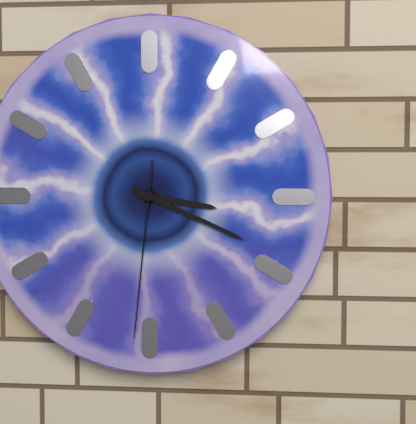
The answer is 3.19.31
